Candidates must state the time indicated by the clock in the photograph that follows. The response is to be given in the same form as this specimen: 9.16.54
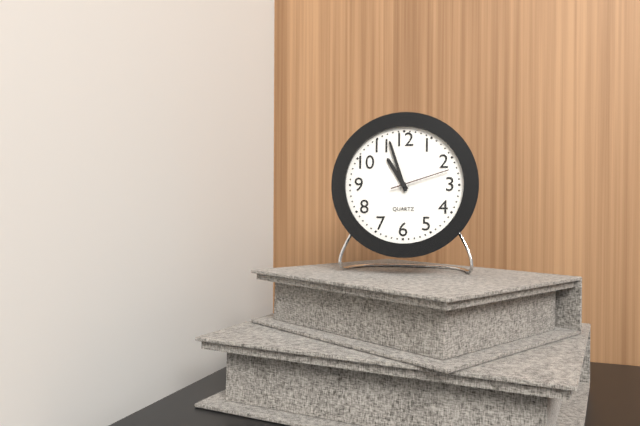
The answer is 10.57.12
